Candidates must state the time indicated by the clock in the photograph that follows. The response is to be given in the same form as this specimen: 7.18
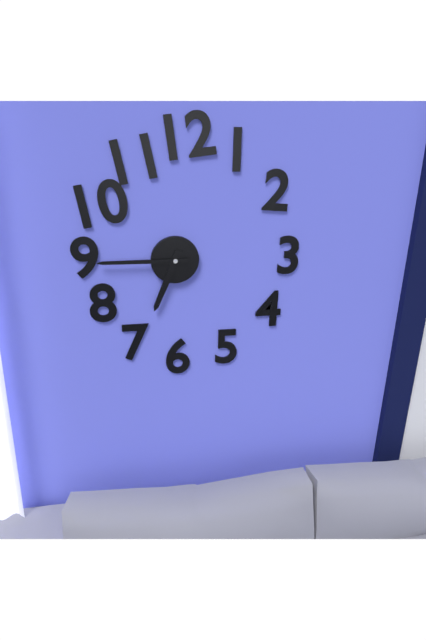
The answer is 6.45
